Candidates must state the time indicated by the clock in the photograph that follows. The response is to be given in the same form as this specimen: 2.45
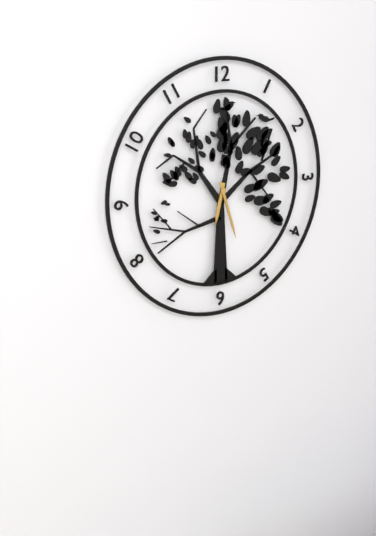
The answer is 6.27
